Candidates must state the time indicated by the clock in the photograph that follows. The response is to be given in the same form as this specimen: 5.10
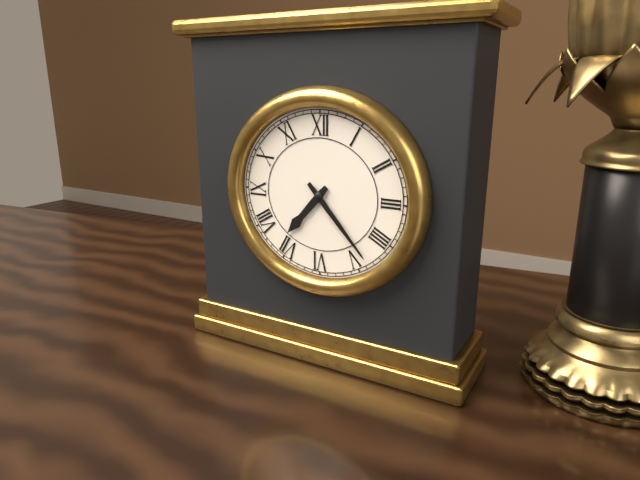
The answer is 7.23
